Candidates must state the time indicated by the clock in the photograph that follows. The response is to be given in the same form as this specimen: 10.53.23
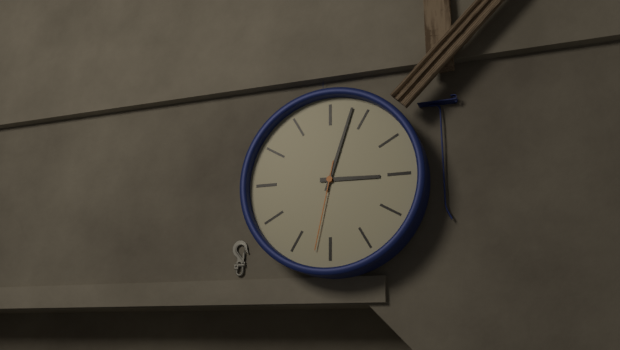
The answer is 3.03.32
